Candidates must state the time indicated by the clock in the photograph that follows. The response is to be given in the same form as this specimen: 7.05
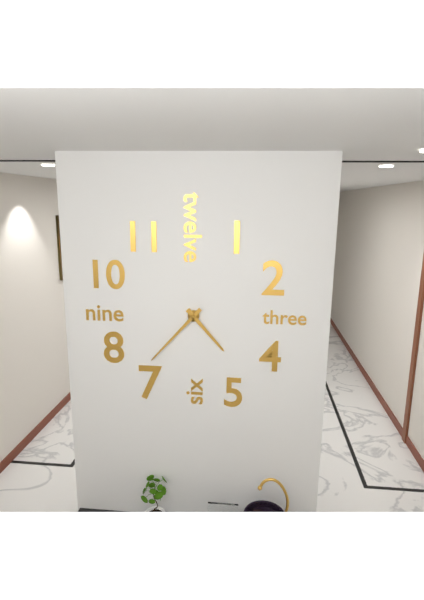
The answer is 4.37
